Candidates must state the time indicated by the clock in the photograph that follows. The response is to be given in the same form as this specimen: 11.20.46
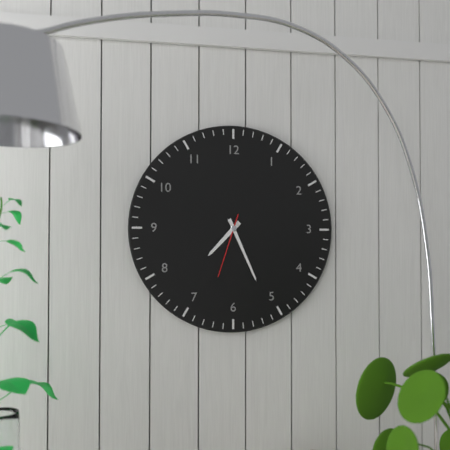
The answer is 7.26.33
